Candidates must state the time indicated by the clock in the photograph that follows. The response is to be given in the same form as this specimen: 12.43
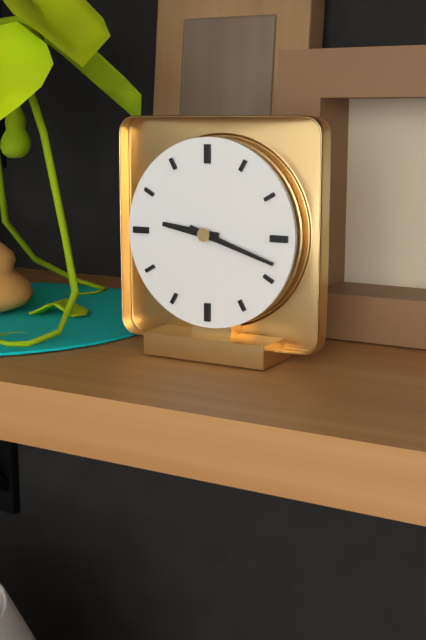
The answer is 9.18
